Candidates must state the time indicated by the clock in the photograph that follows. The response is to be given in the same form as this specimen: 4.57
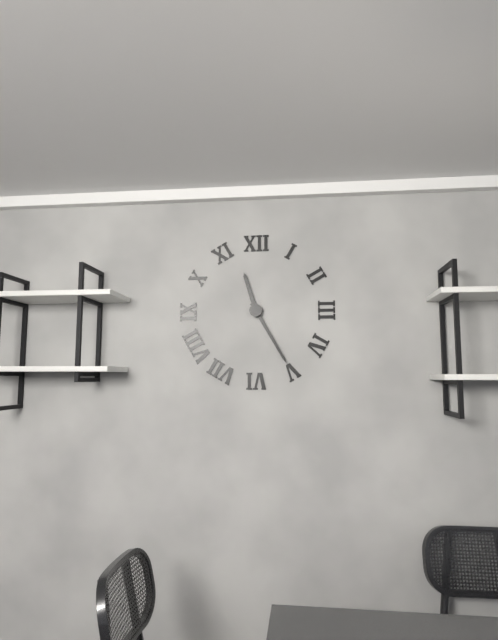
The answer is 11.25
